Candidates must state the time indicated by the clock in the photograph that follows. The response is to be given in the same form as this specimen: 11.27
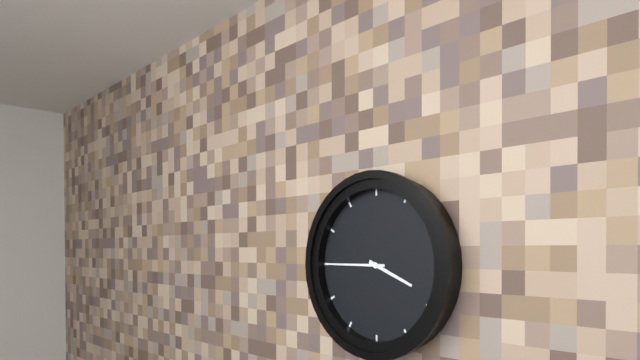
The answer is 3.45
